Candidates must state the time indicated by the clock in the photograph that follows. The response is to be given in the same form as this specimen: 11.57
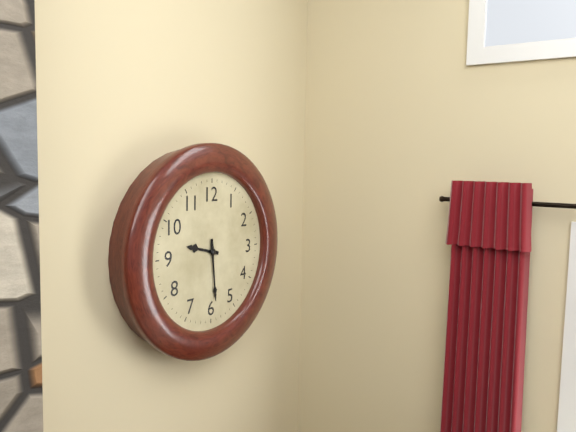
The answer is 9.29
